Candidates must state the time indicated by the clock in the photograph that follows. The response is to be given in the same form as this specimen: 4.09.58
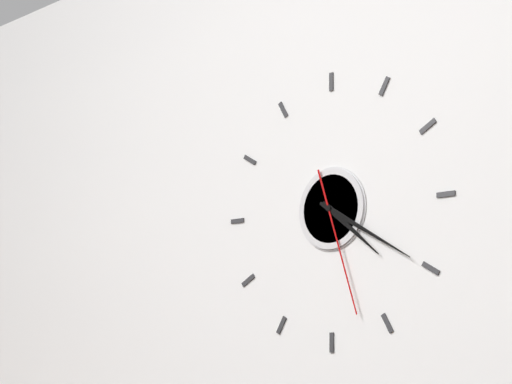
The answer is 4.20.27
